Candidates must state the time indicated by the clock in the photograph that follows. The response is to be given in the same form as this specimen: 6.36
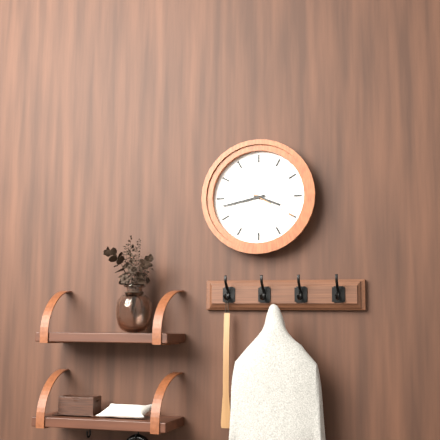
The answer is 3.43
